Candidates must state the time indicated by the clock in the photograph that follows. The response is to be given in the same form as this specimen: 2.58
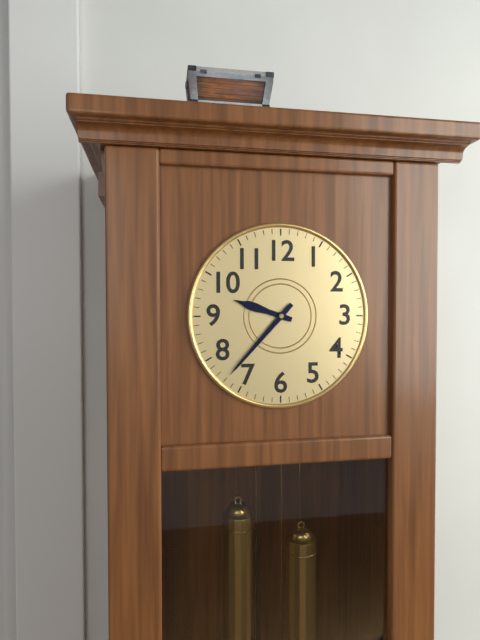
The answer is 9.37
